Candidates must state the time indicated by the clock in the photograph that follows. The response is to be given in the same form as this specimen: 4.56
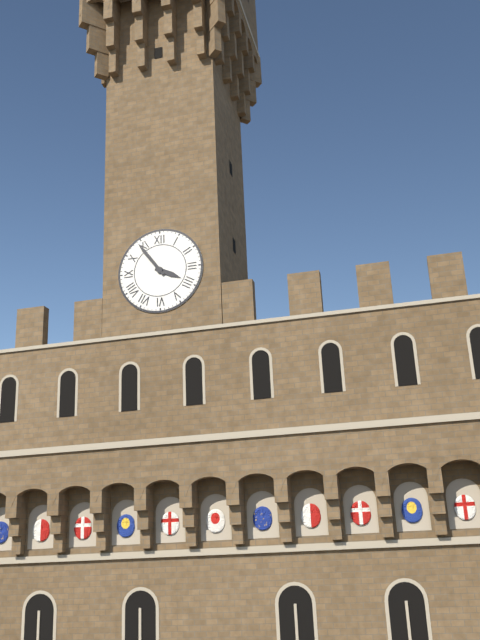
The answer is 3.54
